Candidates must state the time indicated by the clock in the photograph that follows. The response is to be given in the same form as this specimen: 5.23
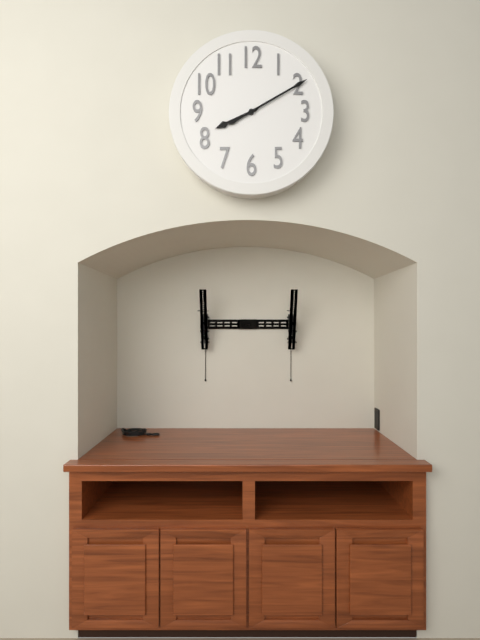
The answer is 8.10
